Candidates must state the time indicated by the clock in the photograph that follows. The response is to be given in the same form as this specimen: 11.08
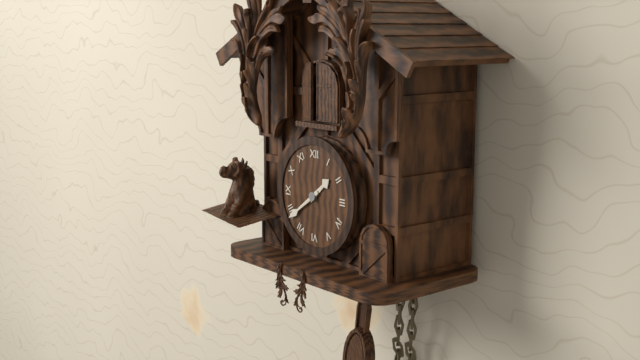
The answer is 1.39
